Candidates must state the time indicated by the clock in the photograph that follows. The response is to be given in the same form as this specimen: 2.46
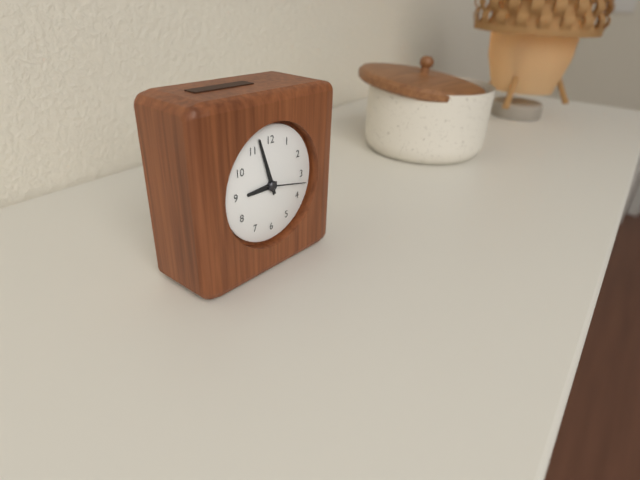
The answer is 8.57
